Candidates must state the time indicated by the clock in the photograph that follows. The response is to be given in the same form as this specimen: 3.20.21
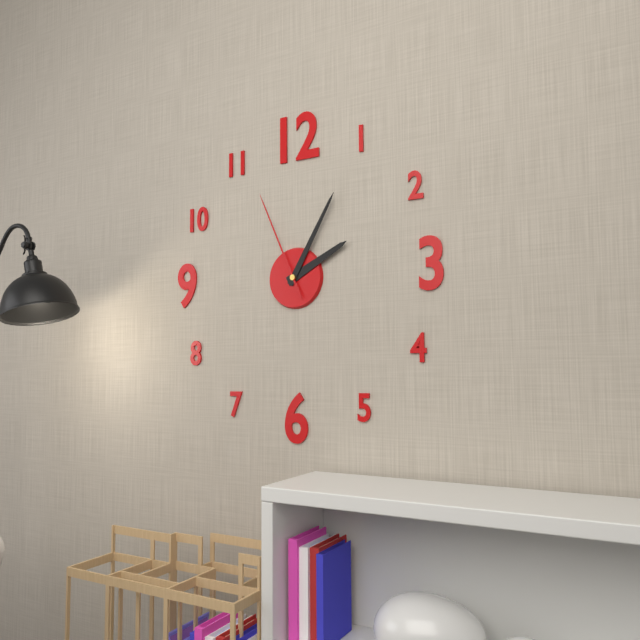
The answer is 2.05.56
